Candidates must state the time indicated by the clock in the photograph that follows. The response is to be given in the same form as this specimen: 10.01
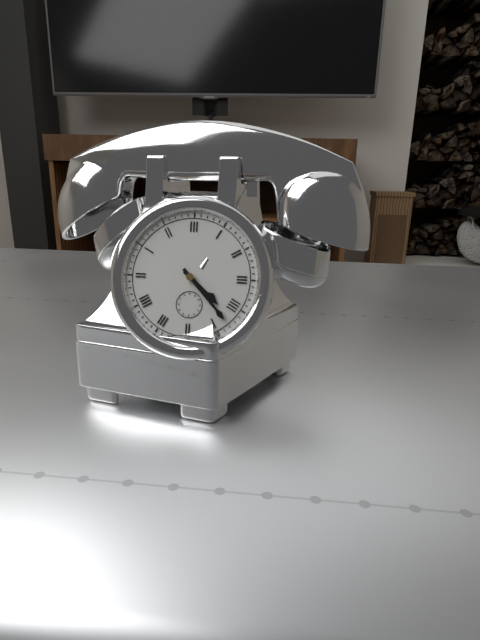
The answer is 4.23
